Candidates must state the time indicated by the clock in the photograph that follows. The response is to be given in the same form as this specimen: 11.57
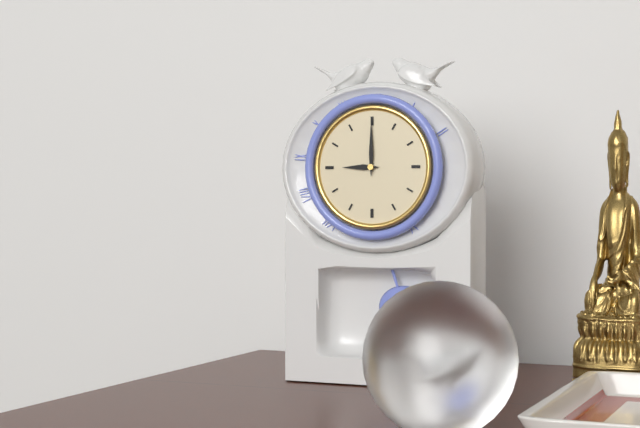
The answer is 9.00
